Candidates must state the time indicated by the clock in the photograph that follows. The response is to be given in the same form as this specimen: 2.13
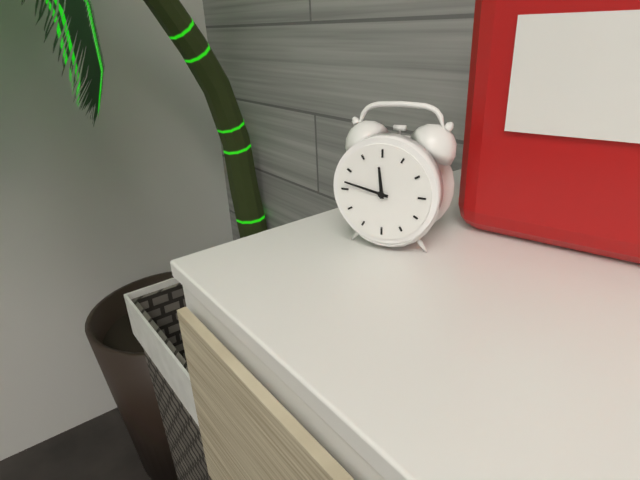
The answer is 11.47
